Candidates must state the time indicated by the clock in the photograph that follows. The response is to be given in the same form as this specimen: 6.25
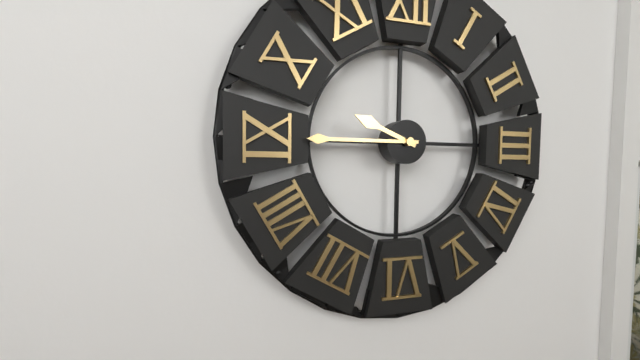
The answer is 9.45
